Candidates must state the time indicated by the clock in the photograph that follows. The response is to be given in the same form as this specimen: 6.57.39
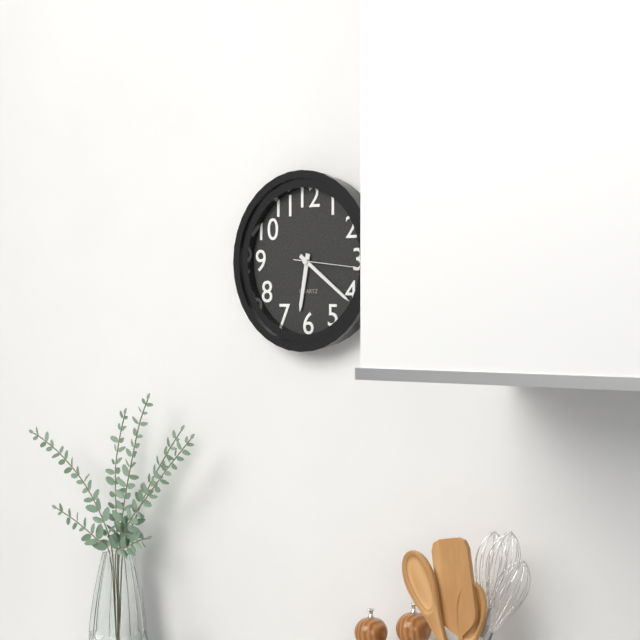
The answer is 6.21.16
